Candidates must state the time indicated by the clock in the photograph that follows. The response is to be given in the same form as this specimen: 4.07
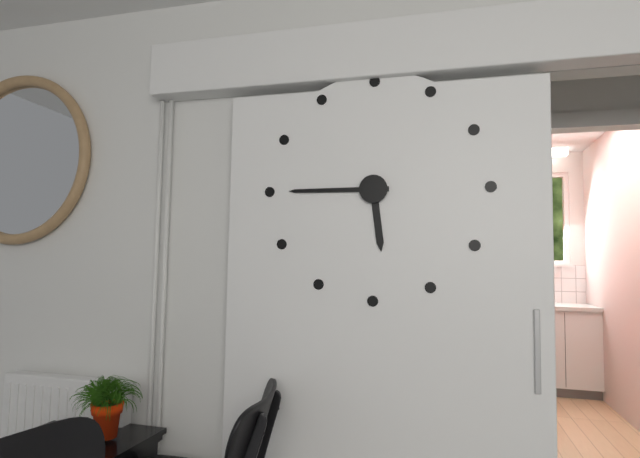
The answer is 5.45
